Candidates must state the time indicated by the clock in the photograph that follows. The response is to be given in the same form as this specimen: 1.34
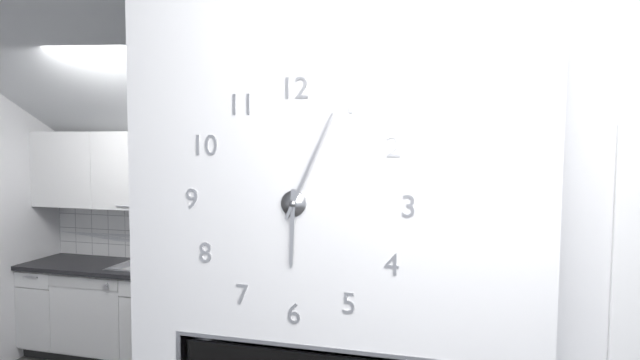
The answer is 6.04
